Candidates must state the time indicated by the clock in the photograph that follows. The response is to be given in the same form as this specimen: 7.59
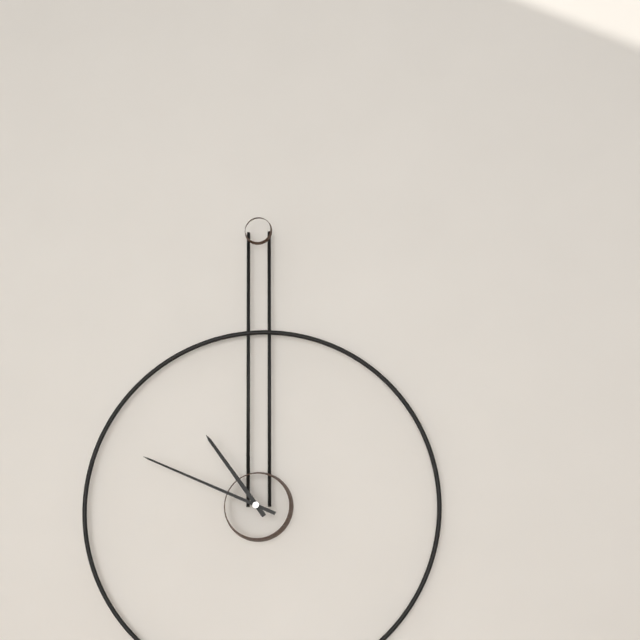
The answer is 10.49
